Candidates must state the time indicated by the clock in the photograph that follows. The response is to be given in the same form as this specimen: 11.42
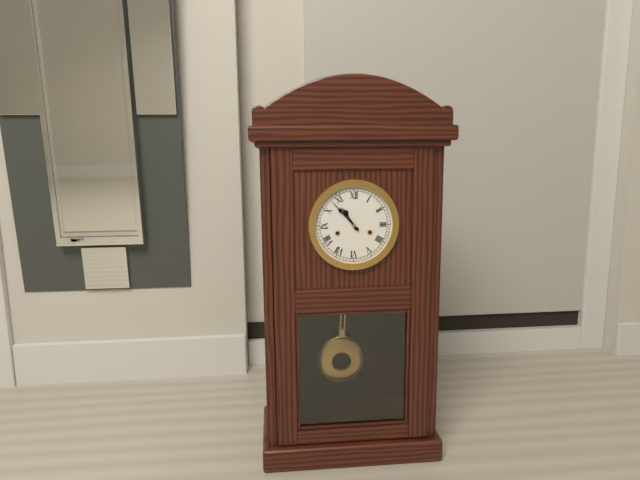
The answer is 10.53
